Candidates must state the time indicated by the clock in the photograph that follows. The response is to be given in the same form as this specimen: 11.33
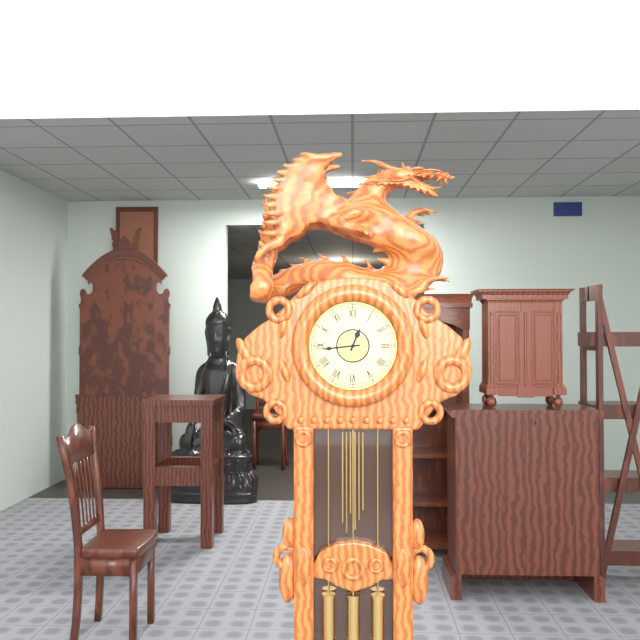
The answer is 12.44
